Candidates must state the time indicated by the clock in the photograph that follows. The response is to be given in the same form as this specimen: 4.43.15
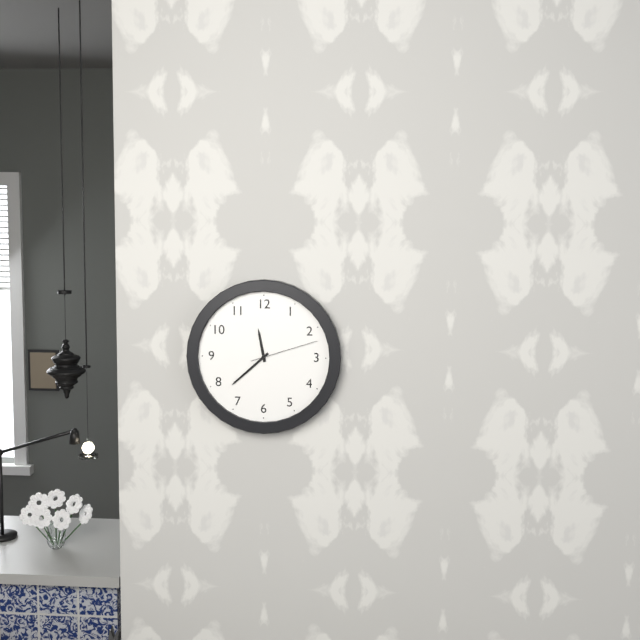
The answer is 11.38.12
